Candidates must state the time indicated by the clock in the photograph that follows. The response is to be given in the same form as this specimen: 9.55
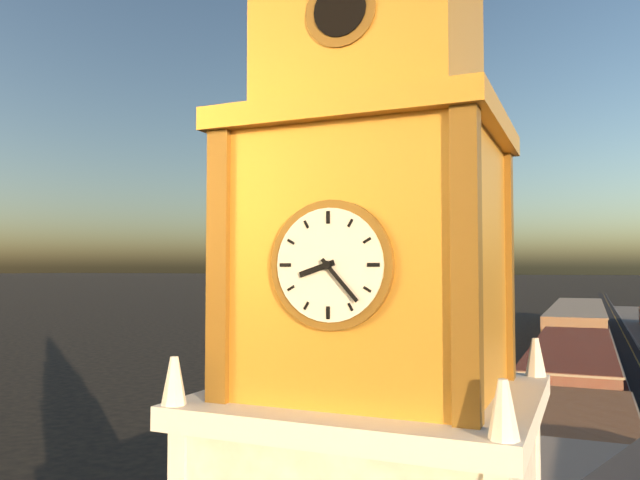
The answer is 8.23
